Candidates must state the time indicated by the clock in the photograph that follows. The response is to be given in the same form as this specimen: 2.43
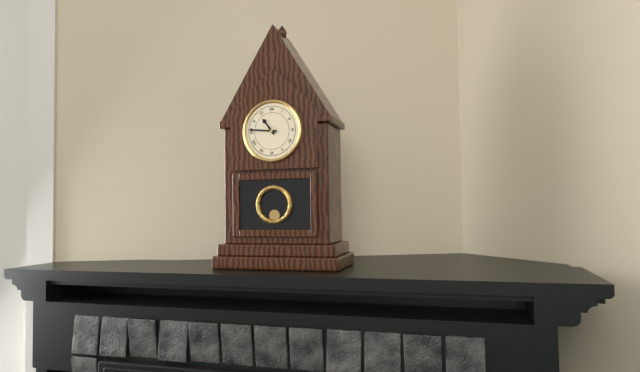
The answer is 10.46
